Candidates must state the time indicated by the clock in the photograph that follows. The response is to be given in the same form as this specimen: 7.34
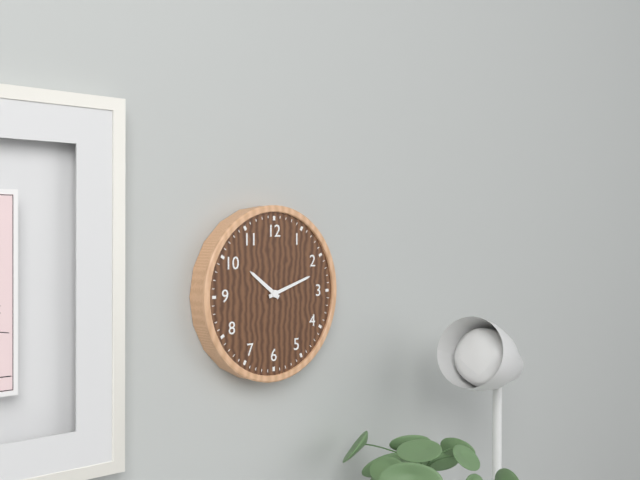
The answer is 10.12
